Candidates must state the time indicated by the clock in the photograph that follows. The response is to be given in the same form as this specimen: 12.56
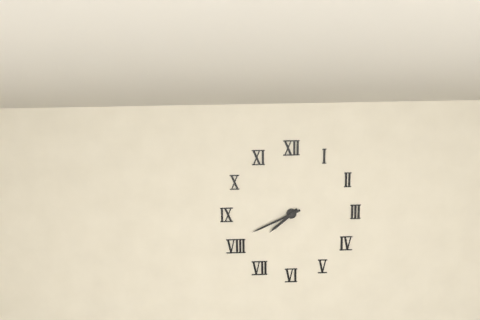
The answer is 7.41
